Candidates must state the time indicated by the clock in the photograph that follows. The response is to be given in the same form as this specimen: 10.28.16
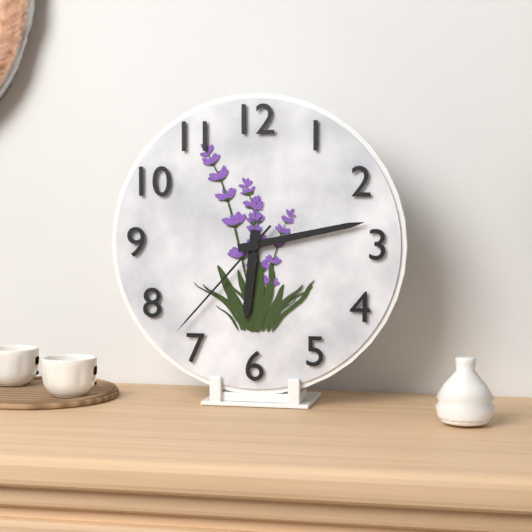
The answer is 6.13.37
